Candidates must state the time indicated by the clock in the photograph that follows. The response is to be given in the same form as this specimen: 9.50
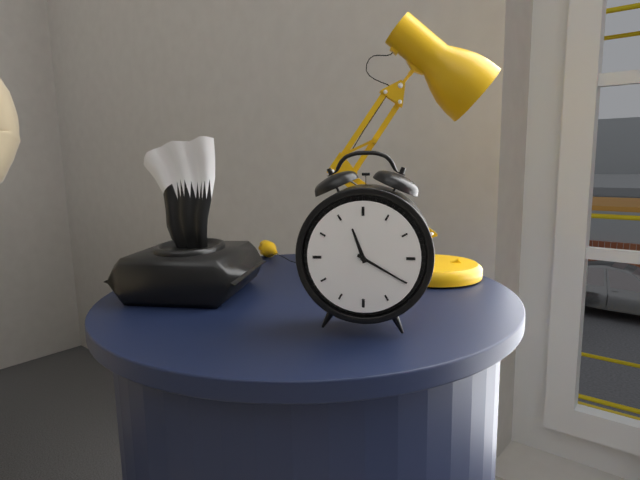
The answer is 11.20
